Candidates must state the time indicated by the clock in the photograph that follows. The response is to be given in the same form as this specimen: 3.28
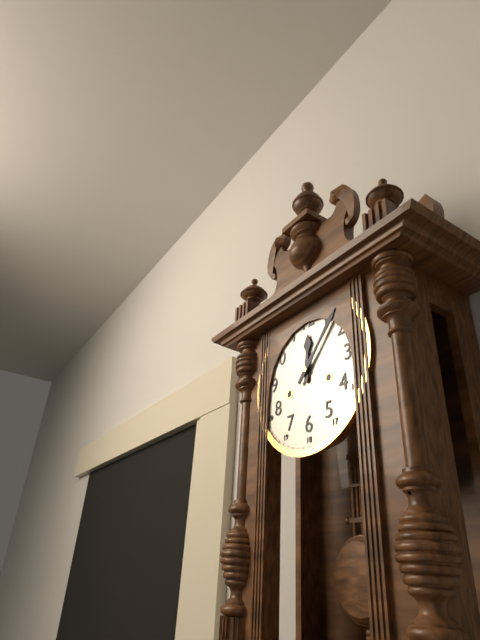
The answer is 12.07
